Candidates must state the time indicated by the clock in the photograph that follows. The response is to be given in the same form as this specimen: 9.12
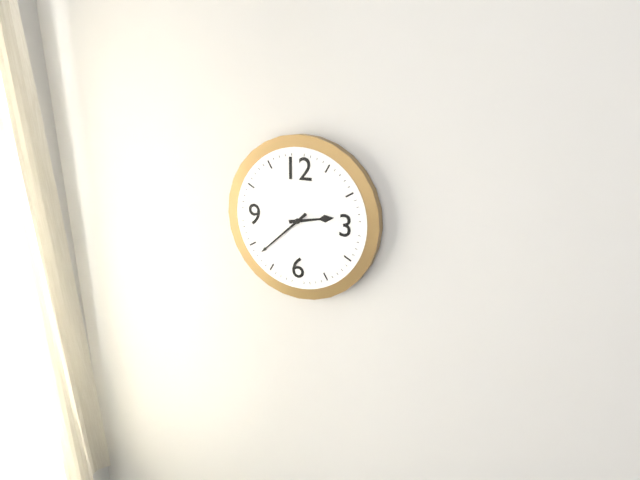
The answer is 2.38
